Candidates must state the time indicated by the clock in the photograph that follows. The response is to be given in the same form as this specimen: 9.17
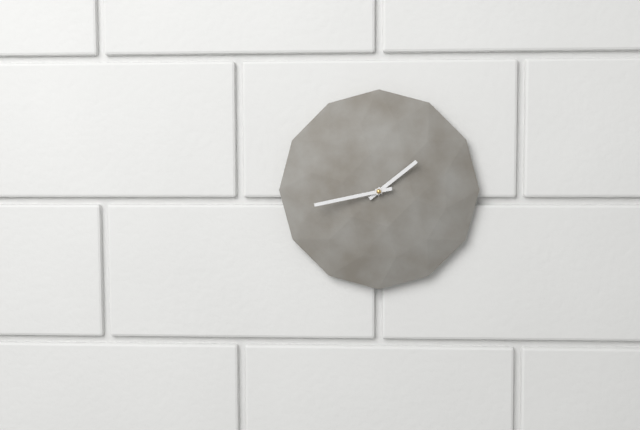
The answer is 1.43
